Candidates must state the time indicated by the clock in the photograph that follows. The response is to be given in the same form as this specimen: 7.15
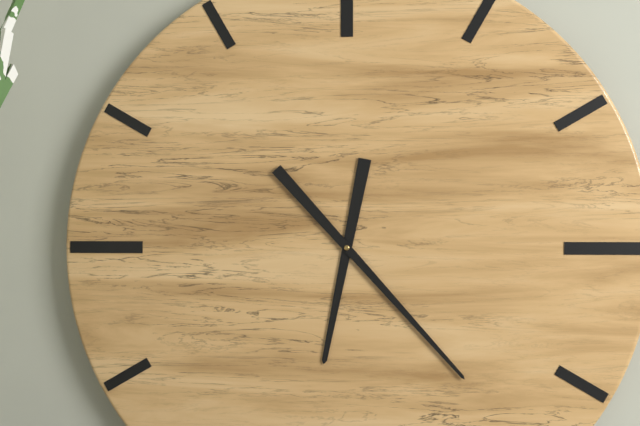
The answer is 6.23
